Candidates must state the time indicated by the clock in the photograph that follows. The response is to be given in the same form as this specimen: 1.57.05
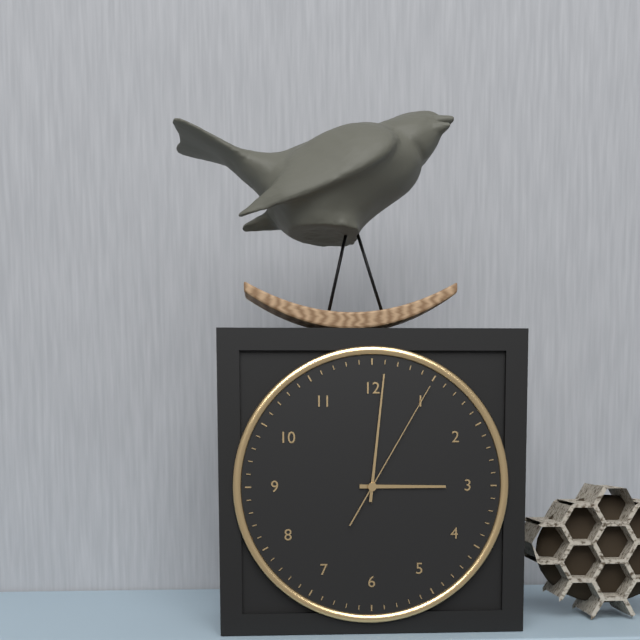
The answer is 3.01.05
